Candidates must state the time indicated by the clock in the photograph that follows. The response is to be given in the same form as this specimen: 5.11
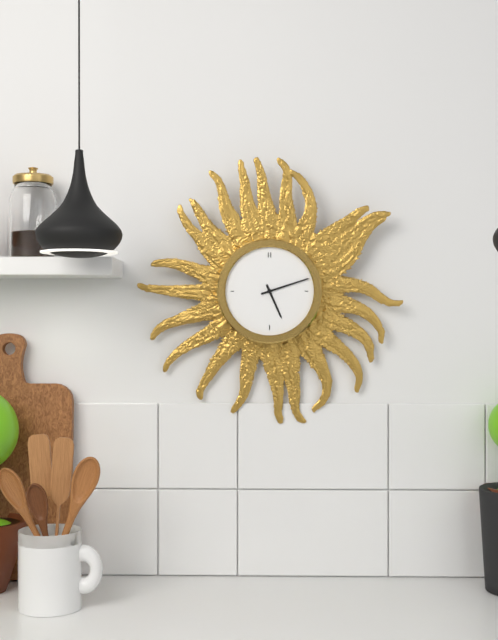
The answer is 5.12
